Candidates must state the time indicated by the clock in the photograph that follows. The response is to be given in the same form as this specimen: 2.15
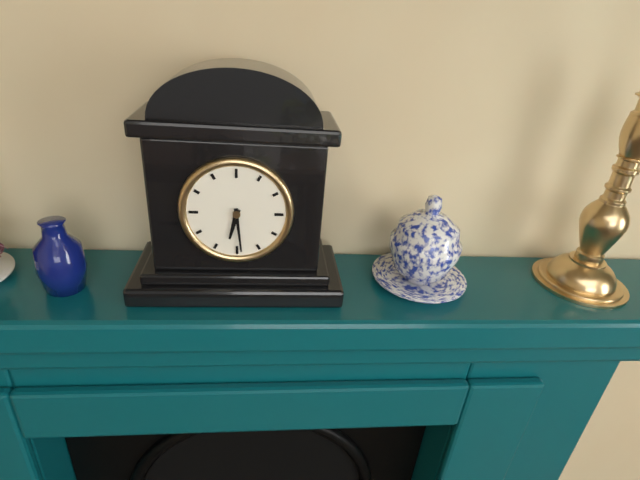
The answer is 6.29
